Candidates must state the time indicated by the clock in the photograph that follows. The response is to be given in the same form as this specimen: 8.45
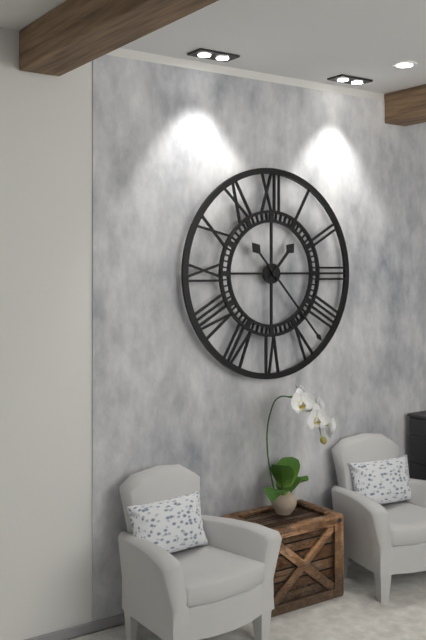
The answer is 1.23
